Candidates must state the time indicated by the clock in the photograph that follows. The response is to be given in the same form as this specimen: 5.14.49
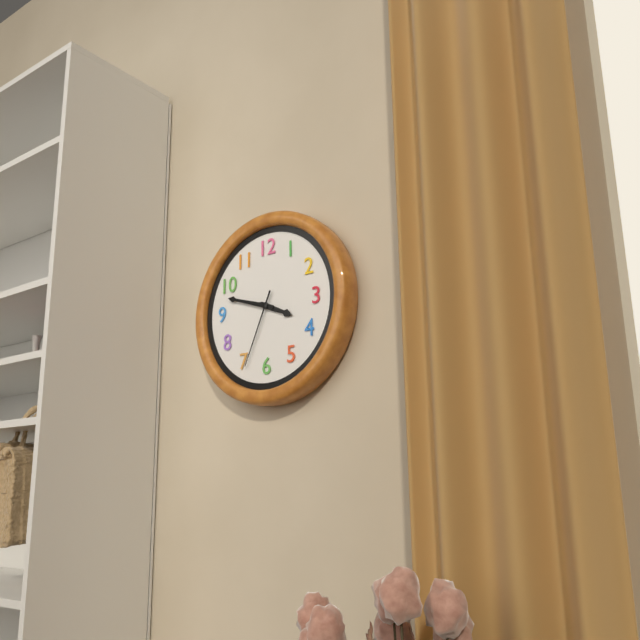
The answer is 3.48.34
